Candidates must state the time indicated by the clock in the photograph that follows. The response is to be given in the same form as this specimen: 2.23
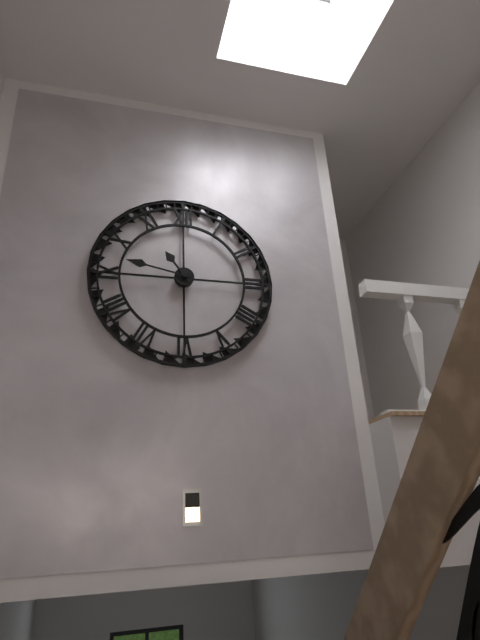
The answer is 10.47
